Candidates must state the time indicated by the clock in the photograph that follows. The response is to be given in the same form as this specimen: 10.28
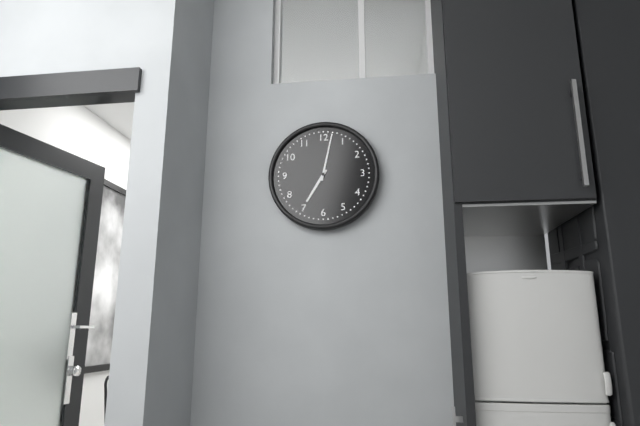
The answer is 7.02
